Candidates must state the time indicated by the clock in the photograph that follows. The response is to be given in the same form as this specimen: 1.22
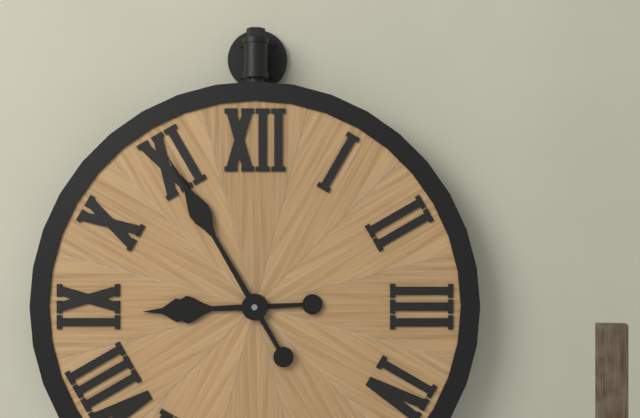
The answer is 8.55
